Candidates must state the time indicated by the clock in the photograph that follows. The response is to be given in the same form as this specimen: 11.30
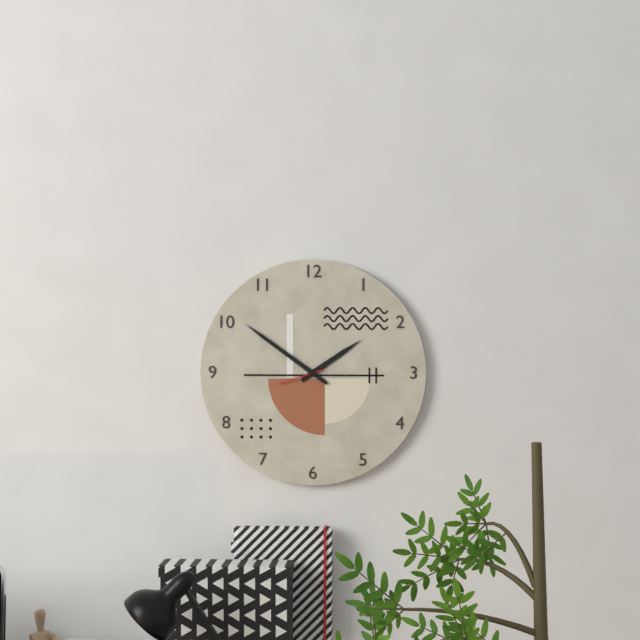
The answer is 1.51
